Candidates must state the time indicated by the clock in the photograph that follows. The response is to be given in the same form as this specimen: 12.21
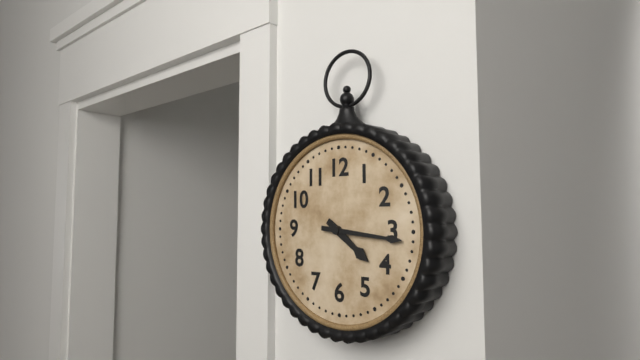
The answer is 4.16
